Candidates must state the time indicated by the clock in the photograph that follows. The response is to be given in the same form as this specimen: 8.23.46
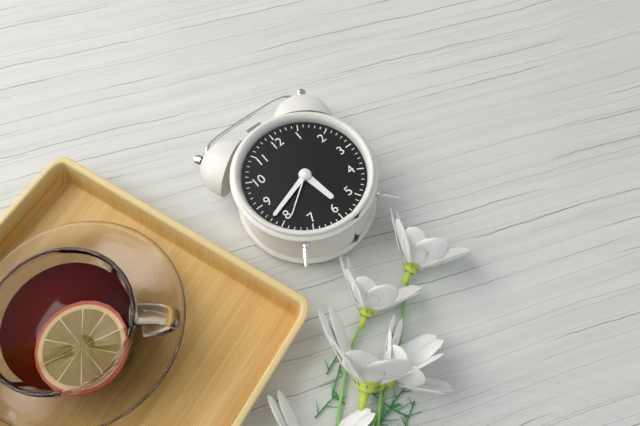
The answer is 5.42.39
